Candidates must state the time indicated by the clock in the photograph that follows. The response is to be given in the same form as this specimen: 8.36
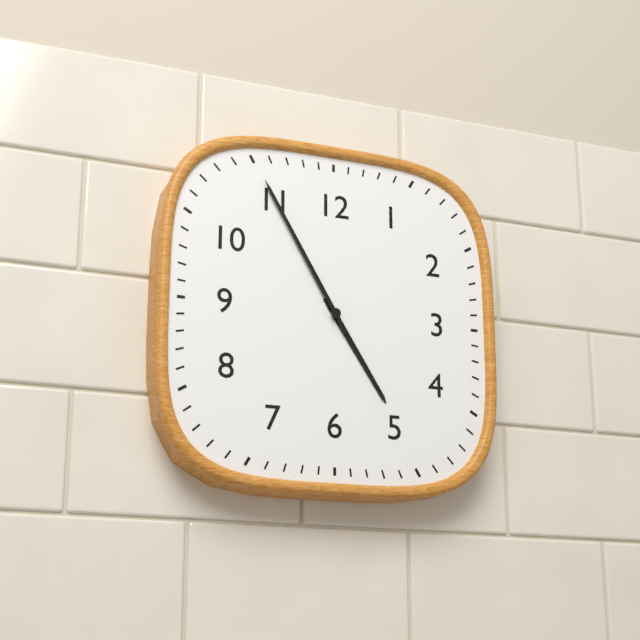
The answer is 4.55
